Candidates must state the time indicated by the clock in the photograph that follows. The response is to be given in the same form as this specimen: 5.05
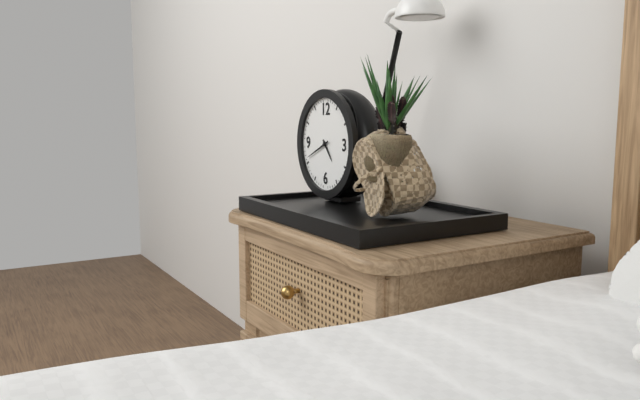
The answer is 4.41
